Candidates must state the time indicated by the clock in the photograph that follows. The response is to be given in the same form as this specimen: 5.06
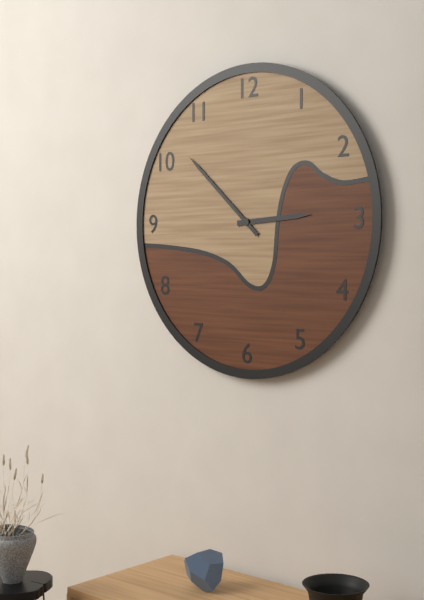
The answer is 2.52
